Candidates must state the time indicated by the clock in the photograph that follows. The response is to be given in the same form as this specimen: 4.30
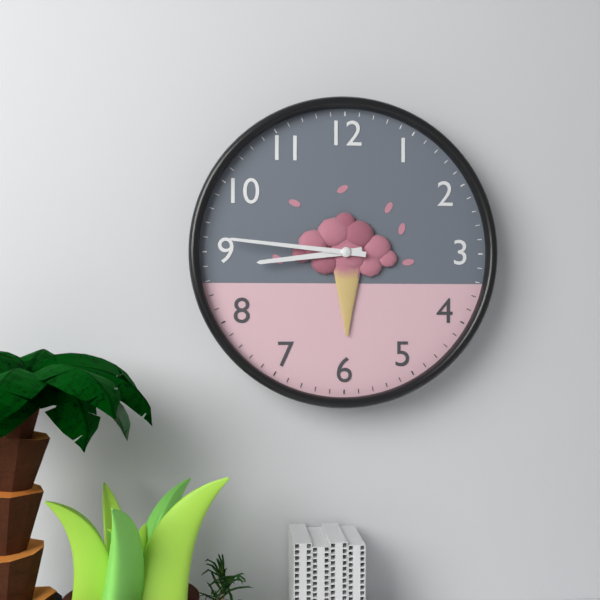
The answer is 8.46
